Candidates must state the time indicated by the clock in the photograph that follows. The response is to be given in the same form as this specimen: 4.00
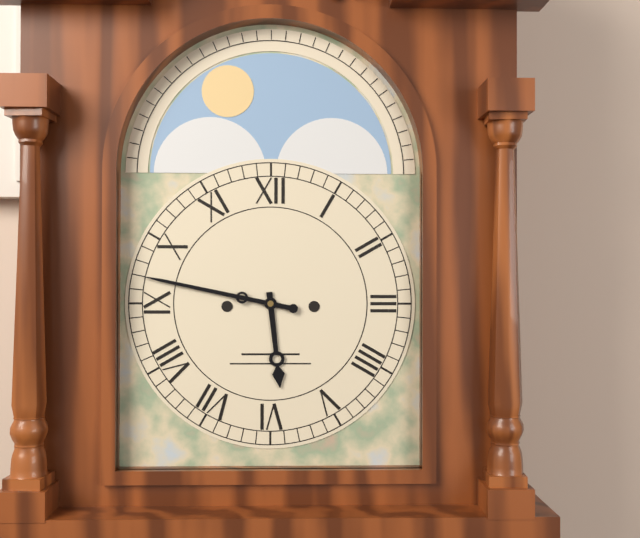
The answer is 5.47
